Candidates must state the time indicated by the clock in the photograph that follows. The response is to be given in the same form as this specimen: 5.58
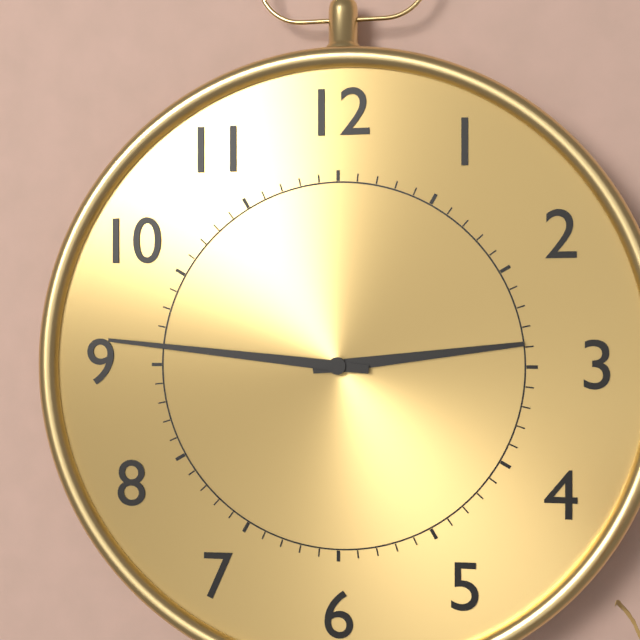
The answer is 2.46
